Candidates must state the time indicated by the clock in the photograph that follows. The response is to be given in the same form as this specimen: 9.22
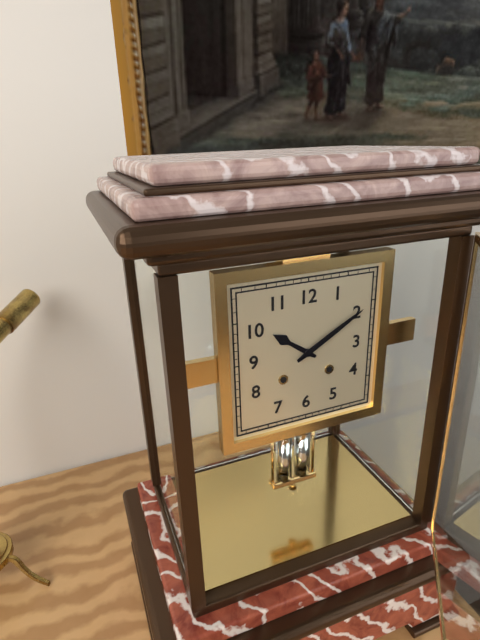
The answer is 10.10
